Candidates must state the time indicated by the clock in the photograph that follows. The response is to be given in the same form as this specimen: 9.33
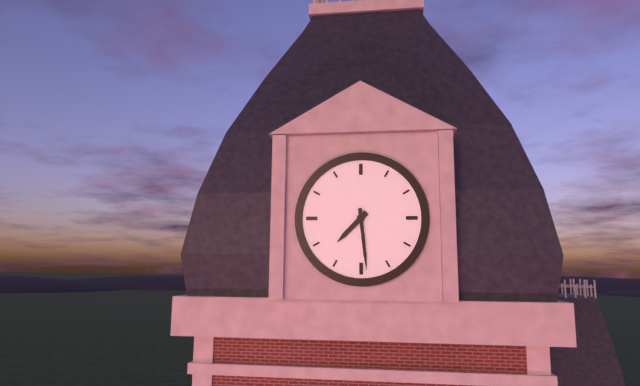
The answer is 7.29
